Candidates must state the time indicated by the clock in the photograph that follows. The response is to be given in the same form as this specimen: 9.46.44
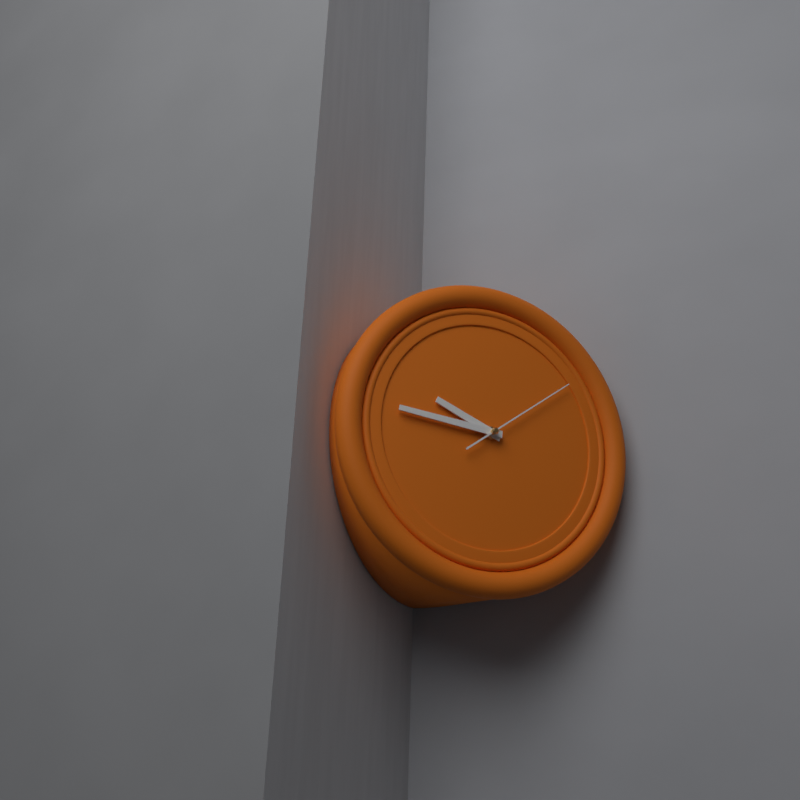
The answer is 9.46.09
